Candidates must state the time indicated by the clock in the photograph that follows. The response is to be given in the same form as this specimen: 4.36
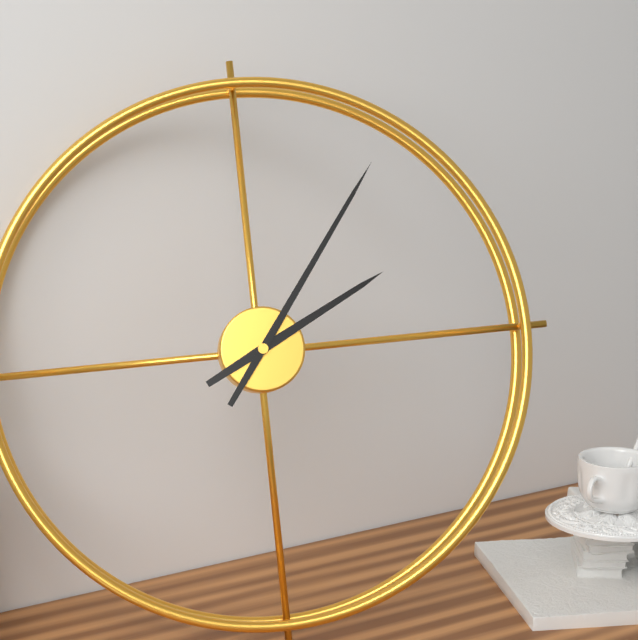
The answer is 2.06
